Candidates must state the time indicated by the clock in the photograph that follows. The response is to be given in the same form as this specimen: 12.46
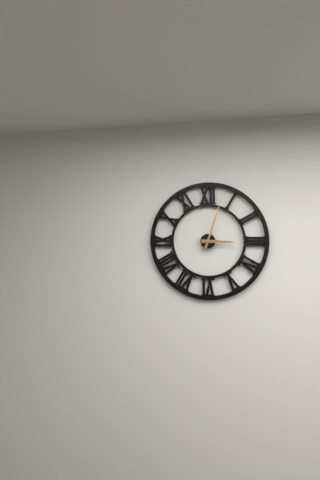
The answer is 3.03
